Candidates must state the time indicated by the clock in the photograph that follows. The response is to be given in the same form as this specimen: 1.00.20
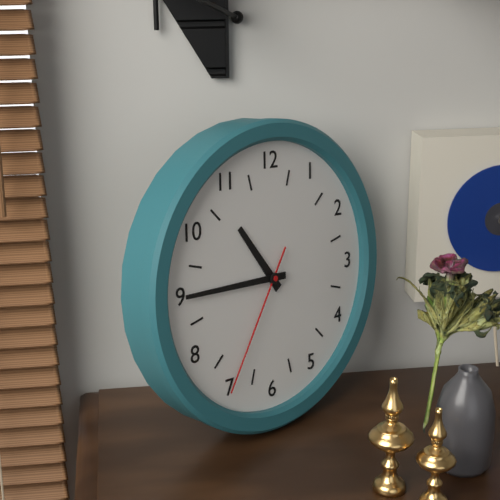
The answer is 10.45.35
